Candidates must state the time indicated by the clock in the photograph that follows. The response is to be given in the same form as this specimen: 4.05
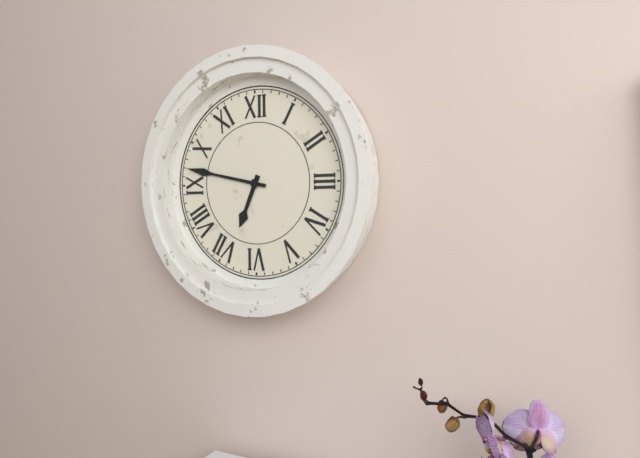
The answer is 6.47
